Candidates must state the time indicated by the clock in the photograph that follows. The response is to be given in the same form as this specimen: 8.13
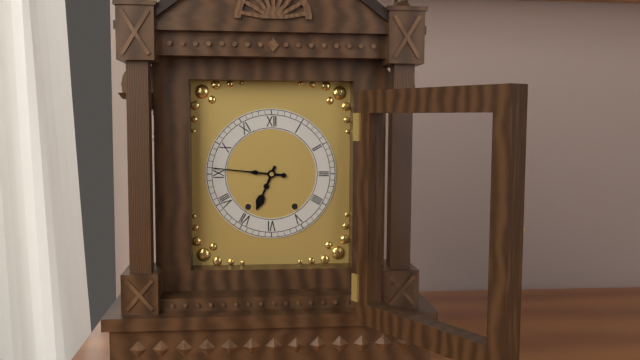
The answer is 6.46
